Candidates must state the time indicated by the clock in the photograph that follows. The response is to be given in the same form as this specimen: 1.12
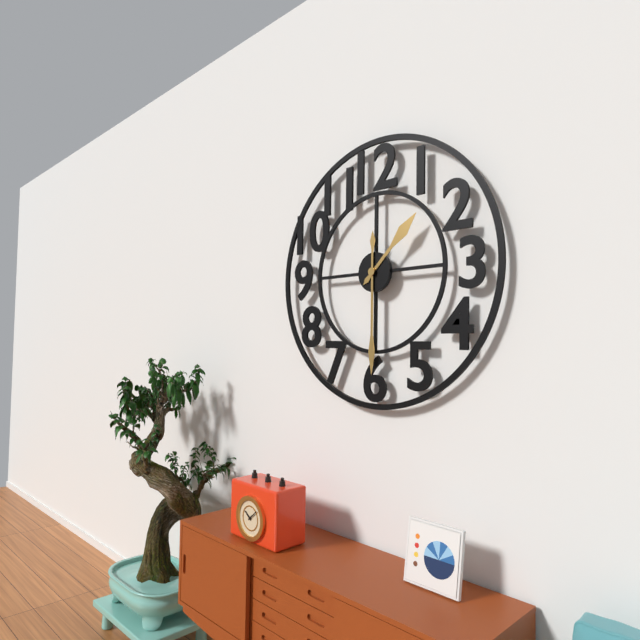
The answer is 1.30
